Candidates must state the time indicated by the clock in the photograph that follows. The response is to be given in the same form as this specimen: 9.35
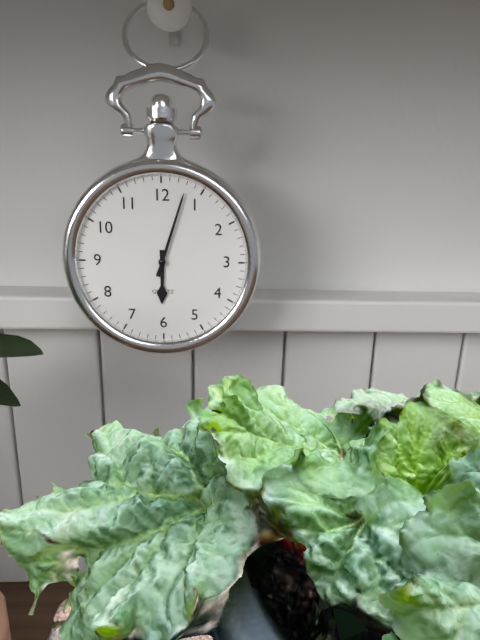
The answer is 6.03
